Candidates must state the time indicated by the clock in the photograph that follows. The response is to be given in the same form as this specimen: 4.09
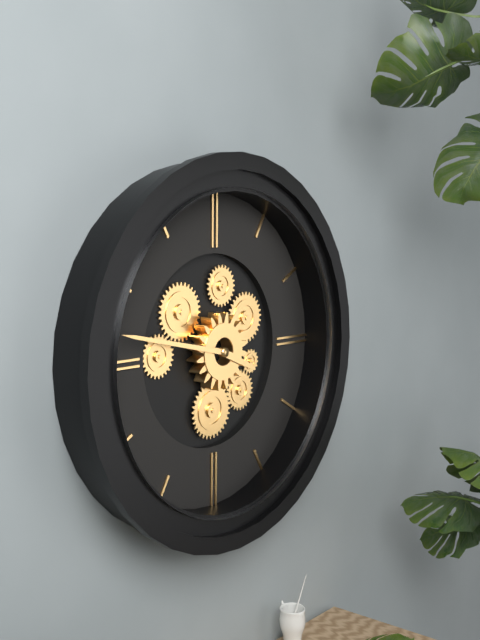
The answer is 3.47
